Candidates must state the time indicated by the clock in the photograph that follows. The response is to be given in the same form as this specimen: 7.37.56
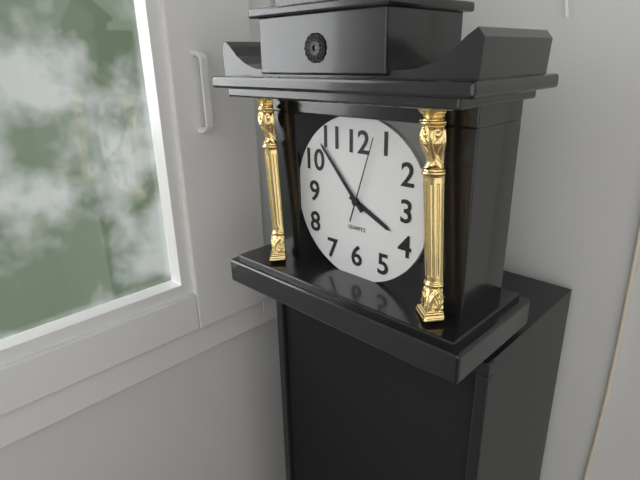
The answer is 3.53.03
